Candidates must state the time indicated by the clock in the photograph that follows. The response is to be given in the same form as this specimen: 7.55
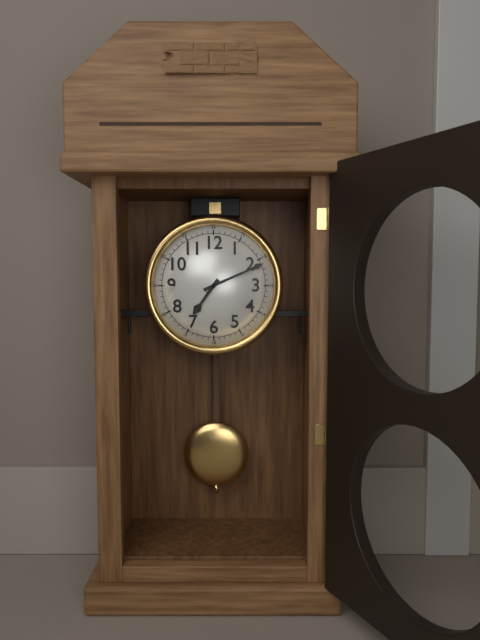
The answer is 7.11
